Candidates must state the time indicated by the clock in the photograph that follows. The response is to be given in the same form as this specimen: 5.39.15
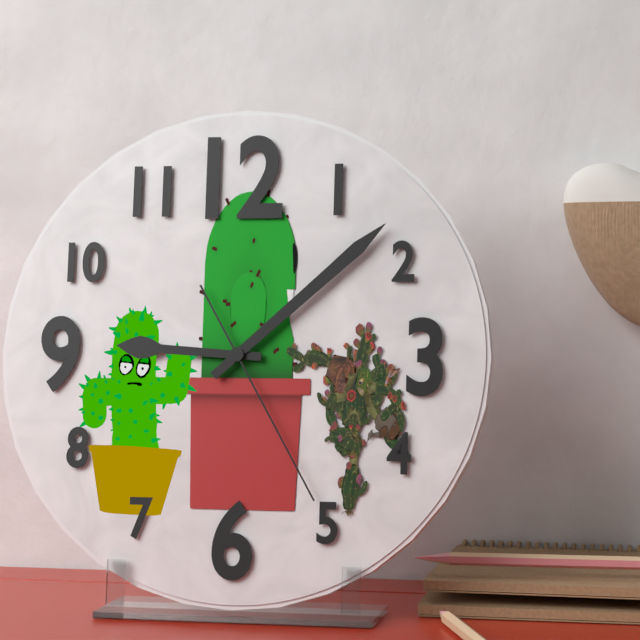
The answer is 9.08.25
